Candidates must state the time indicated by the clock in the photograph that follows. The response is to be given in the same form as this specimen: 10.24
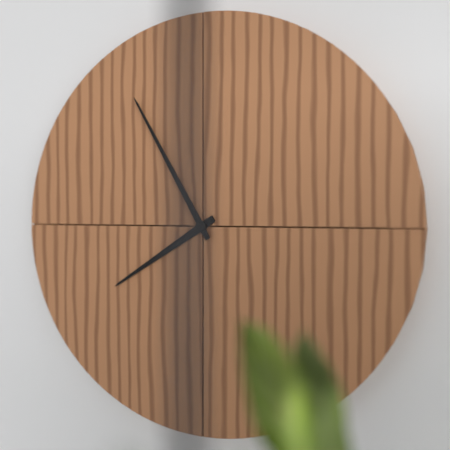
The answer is 7.55
